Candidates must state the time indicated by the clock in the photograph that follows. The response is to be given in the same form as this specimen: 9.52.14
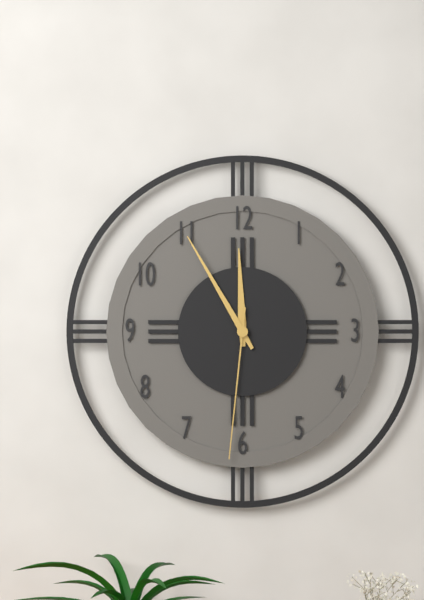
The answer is 11.55.31
